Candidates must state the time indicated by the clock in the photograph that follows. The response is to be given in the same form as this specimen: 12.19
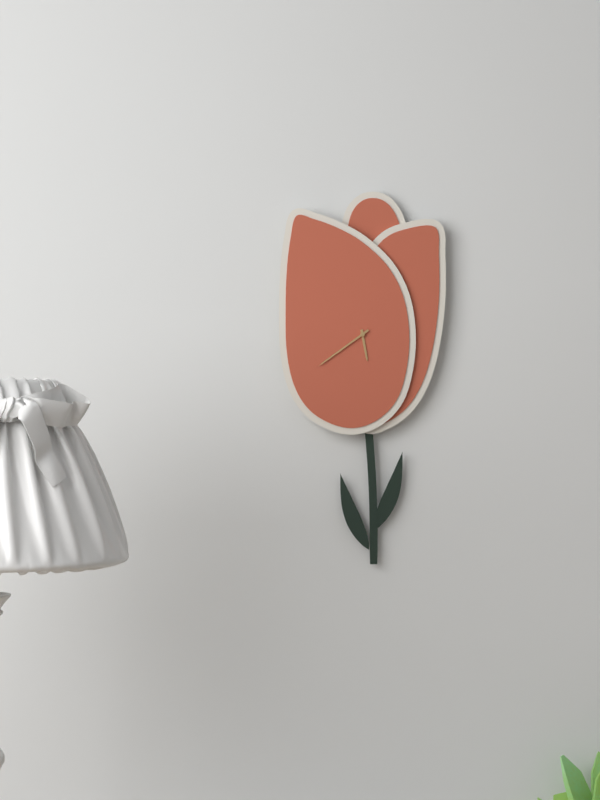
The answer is 5.39
